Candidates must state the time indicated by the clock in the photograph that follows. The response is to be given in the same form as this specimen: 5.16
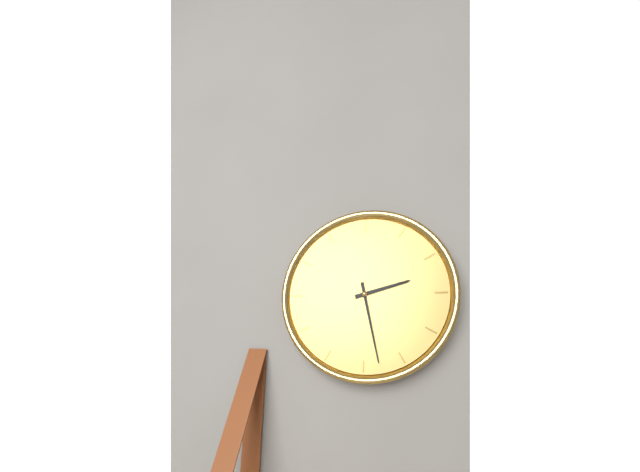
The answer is 2.28
